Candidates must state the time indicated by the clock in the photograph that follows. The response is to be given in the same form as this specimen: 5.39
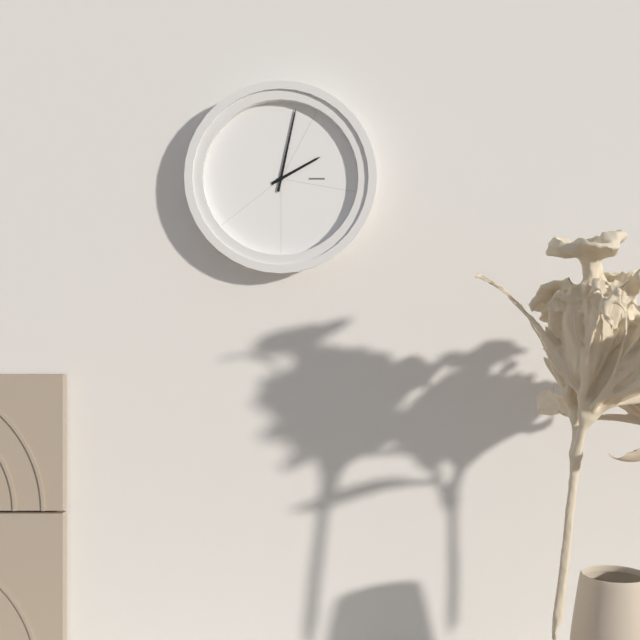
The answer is 2.02
